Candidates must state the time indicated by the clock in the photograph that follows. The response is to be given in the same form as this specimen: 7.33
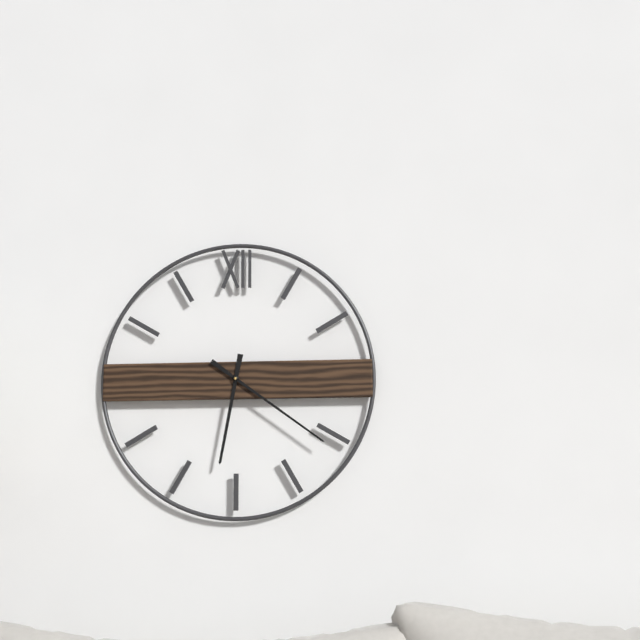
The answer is 6.21
